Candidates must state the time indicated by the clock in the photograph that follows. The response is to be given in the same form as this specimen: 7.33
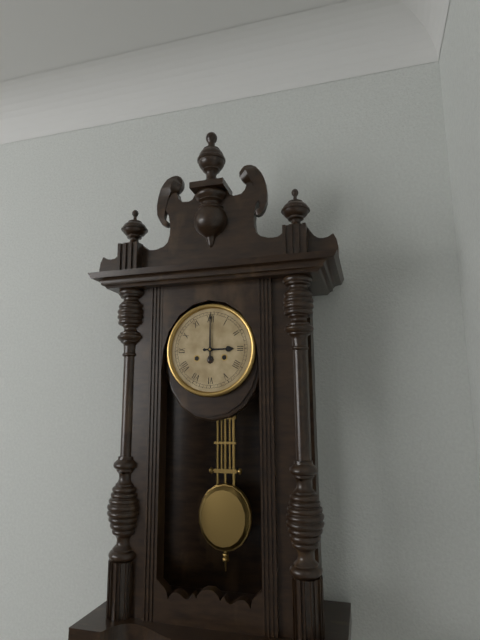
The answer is 3.00
